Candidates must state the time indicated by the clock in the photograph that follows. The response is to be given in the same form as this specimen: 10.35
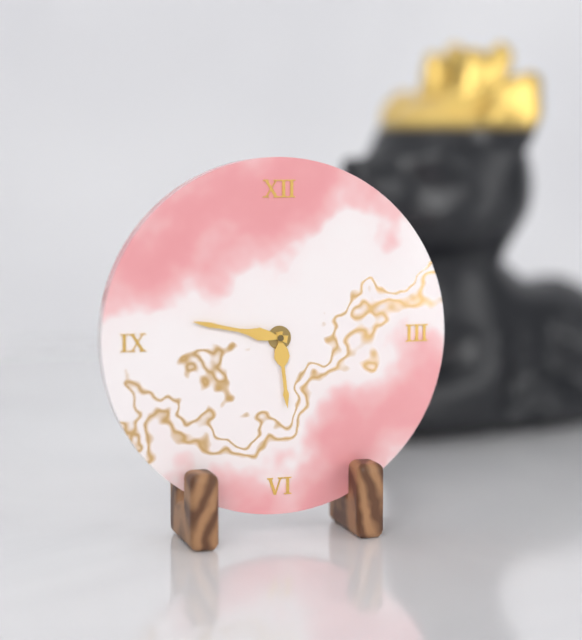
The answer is 5.47
